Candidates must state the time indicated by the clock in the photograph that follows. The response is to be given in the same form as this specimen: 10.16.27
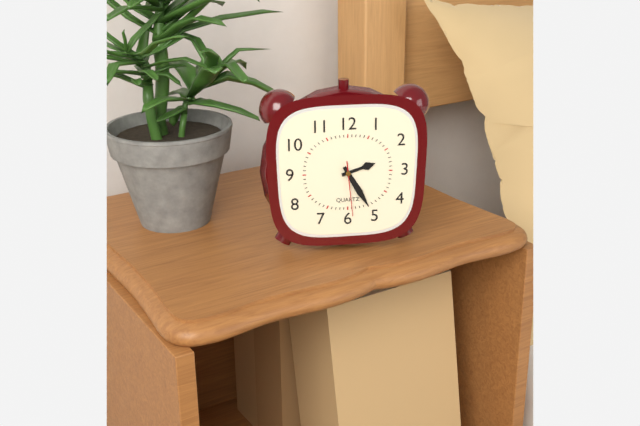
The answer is 2.25.29
